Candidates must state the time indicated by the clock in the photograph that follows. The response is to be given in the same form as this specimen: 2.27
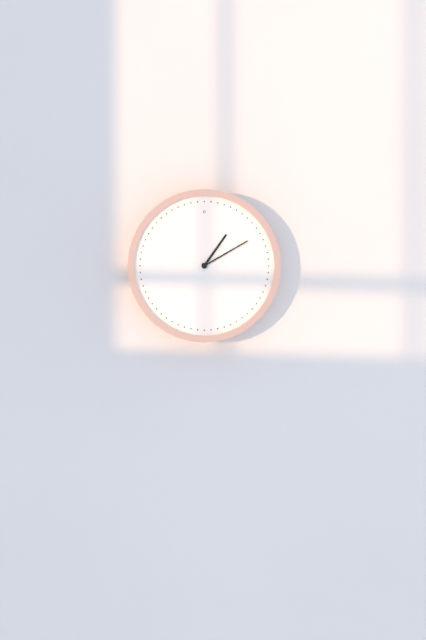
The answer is 1.10
